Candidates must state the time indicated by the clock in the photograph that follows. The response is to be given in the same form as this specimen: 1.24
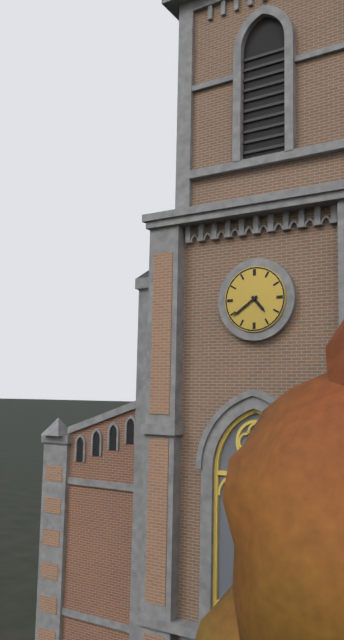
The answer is 4.39
